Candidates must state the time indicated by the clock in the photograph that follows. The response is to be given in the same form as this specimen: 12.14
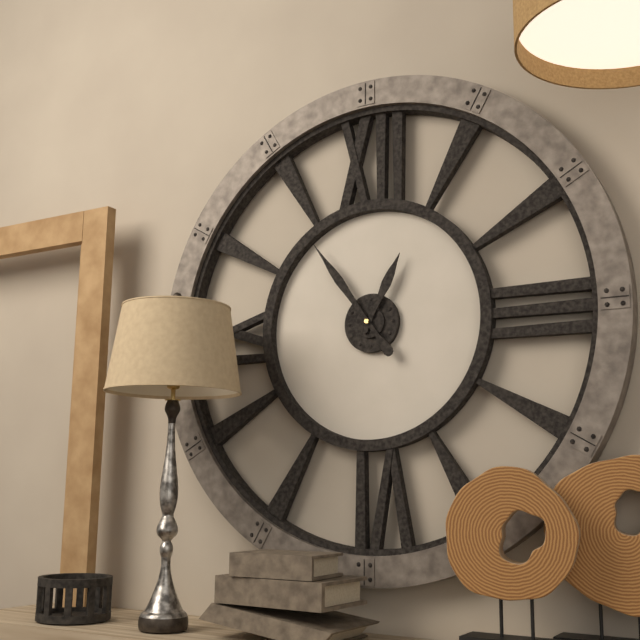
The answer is 12.54
